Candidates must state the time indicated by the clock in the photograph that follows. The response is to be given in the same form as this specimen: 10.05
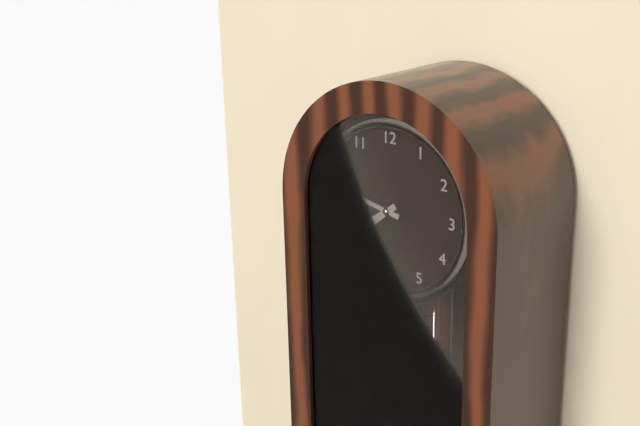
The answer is 7.47
